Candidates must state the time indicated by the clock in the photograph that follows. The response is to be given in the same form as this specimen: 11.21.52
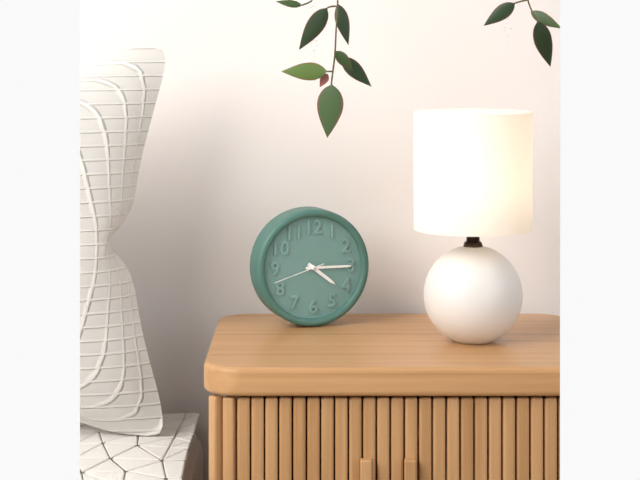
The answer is 4.15.42
